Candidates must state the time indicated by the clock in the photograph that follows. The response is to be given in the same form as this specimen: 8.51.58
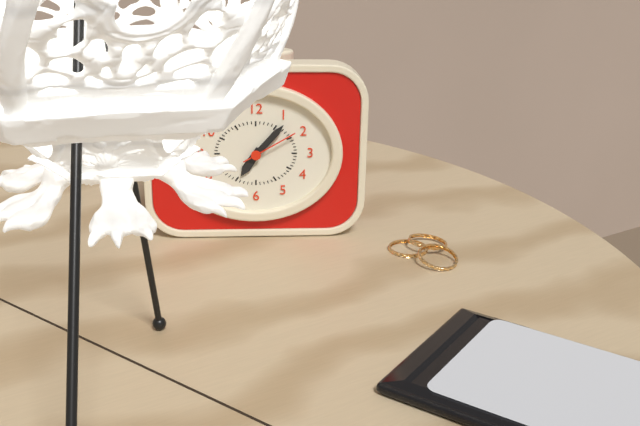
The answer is 7.07.10
